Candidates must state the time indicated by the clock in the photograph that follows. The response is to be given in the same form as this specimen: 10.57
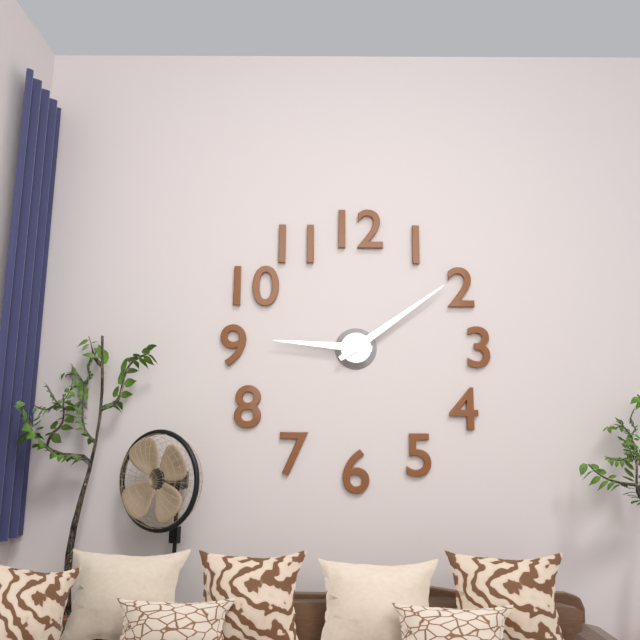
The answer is 9.09
